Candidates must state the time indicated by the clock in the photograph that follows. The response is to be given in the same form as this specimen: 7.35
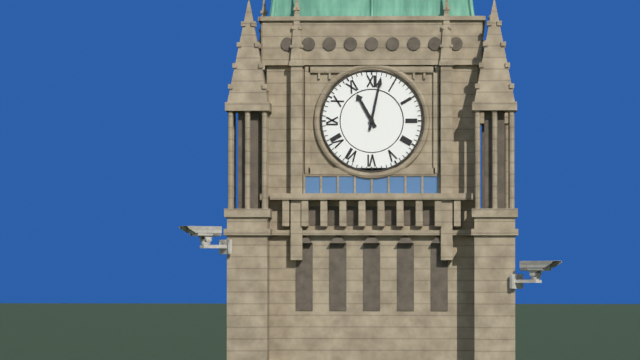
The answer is 11.02
